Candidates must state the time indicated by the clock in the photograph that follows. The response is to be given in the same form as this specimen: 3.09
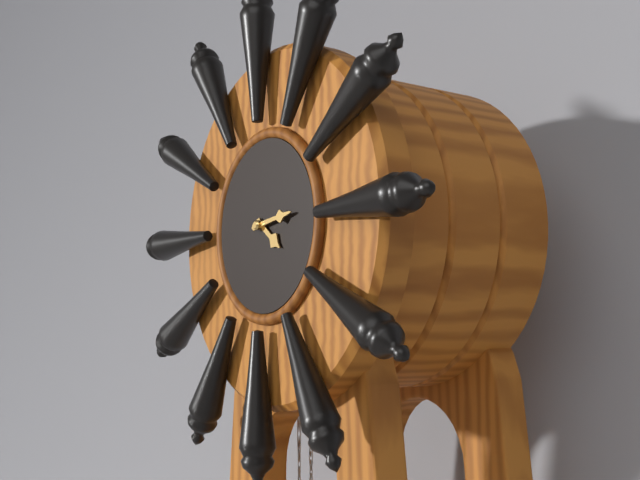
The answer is 4.14
